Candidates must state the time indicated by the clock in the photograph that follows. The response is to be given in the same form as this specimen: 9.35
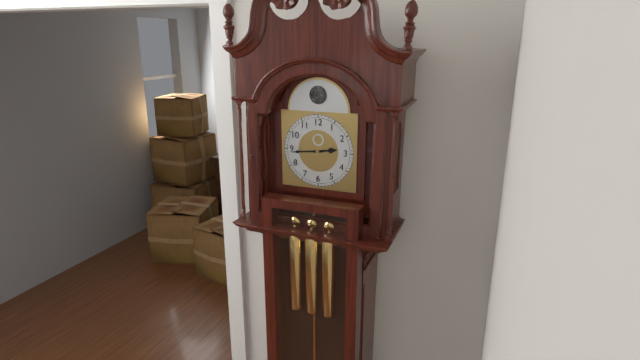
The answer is 2.44
